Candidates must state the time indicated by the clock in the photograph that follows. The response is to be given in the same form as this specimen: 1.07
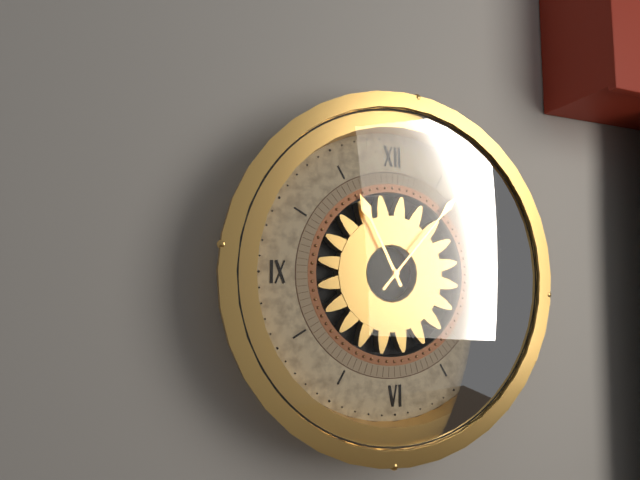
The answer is 11.07
